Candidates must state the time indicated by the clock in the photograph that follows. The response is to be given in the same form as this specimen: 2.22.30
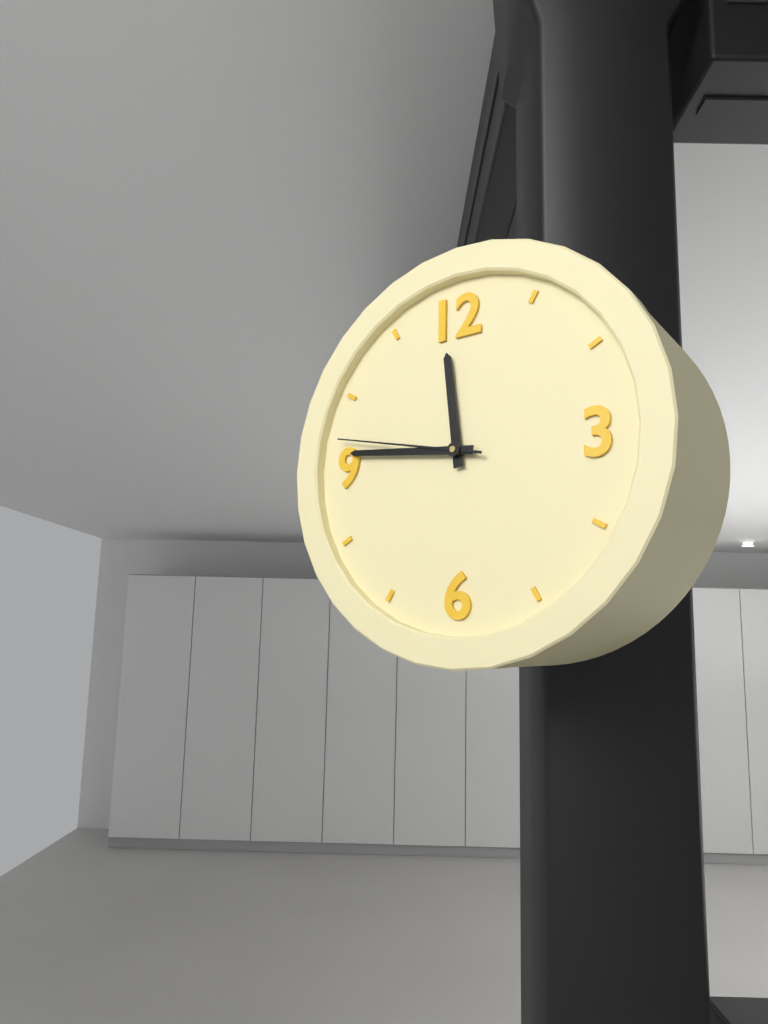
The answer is 11.46.47
